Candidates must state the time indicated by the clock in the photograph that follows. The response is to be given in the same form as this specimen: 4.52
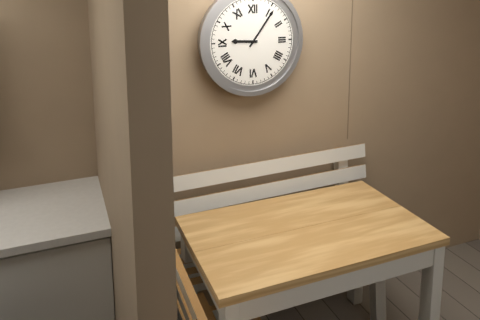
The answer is 9.06
